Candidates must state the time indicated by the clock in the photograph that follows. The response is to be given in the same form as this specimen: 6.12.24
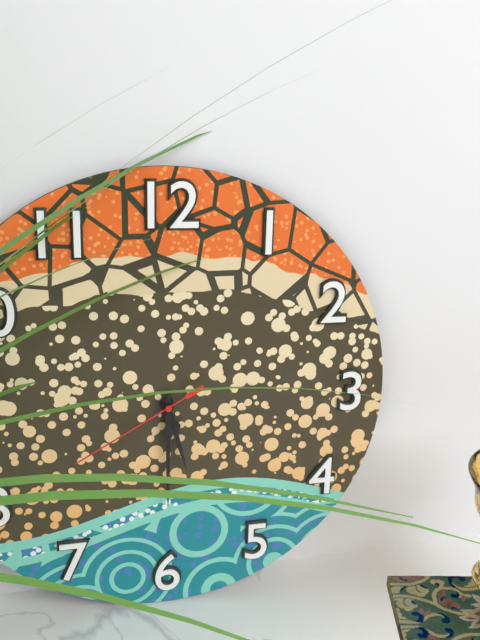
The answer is 5.30.40
